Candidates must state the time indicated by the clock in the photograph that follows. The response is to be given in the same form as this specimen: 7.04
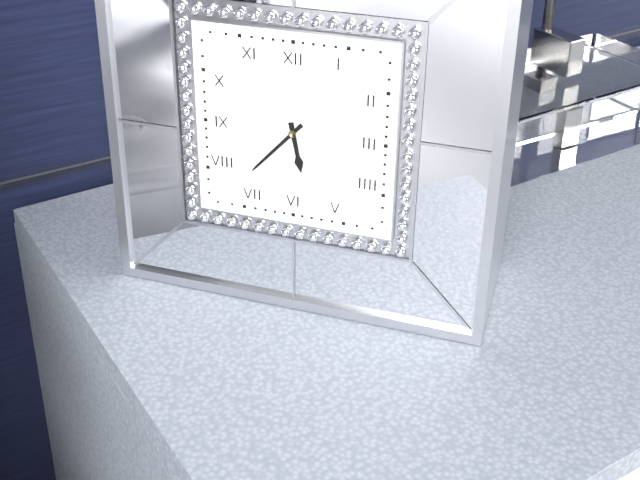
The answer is 5.37
